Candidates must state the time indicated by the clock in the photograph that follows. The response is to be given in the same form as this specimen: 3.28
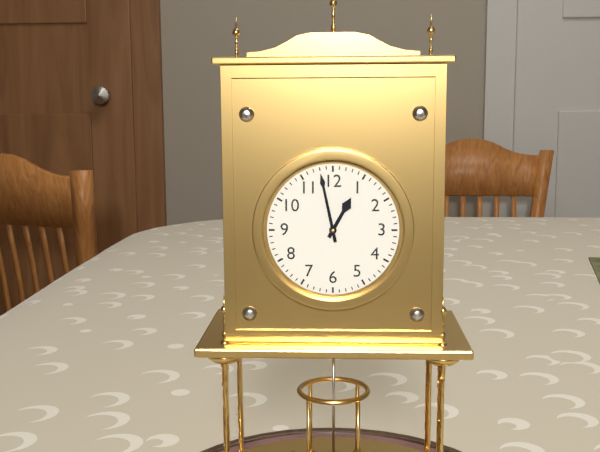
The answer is 12.58
